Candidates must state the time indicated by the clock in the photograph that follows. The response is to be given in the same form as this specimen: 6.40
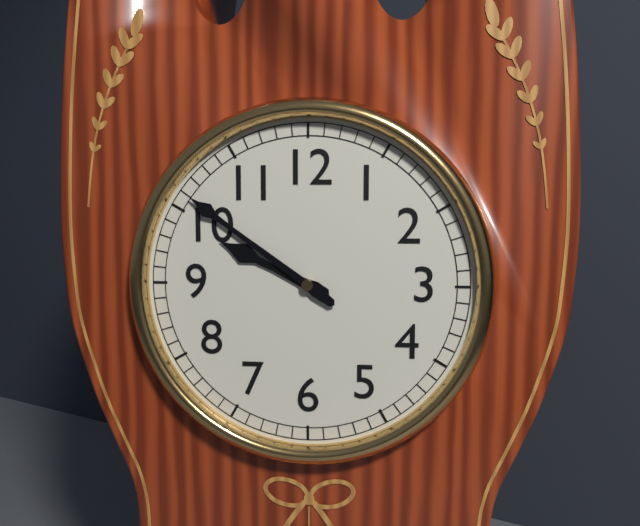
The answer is 9.51
